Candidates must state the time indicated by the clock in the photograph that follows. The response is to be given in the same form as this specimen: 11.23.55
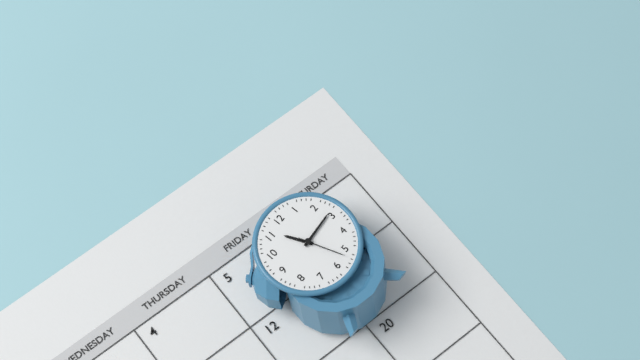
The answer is 11.14.27
